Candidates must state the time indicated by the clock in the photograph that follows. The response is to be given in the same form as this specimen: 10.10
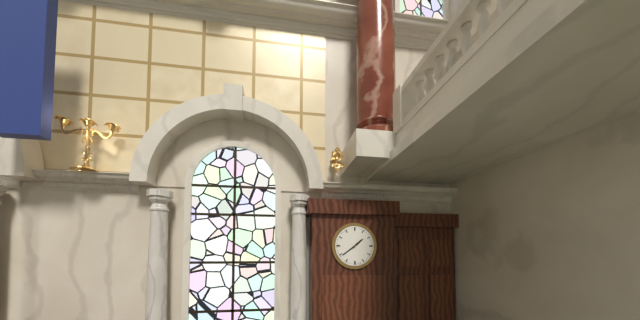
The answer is 1.39
